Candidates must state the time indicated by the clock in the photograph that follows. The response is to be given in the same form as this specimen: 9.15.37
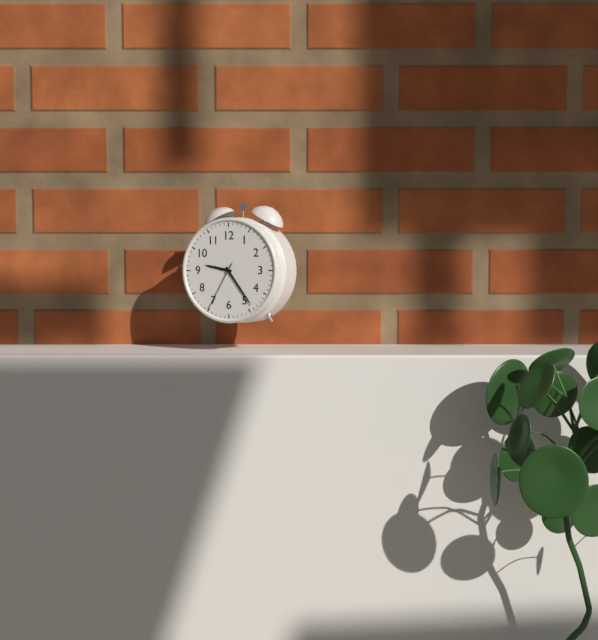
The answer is 9.24.35
